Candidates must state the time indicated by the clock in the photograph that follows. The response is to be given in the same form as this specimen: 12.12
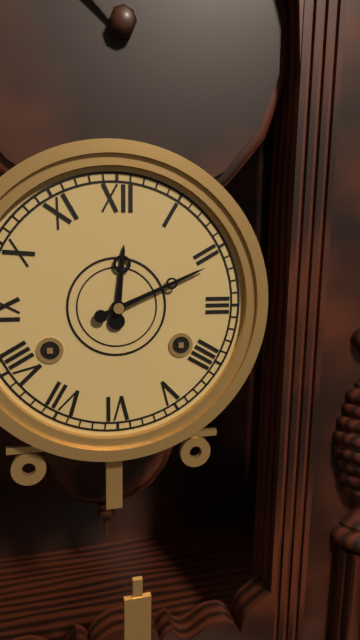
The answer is 12.11
